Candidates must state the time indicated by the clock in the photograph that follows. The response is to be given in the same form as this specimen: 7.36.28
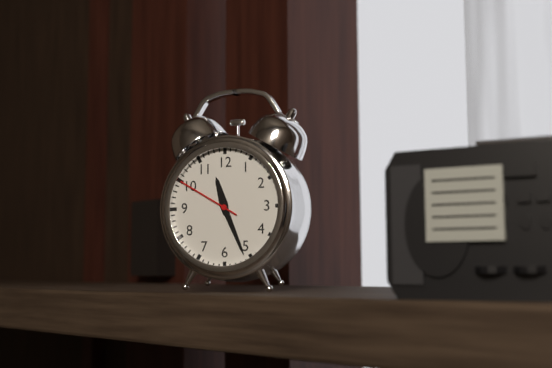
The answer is 11.26.50
